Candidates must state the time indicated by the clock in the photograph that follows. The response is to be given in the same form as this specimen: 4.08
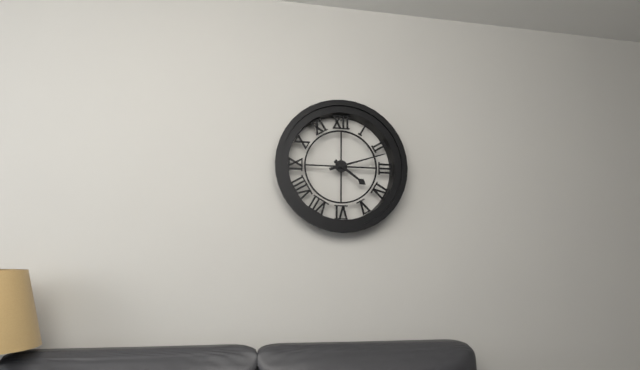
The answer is 4.12
